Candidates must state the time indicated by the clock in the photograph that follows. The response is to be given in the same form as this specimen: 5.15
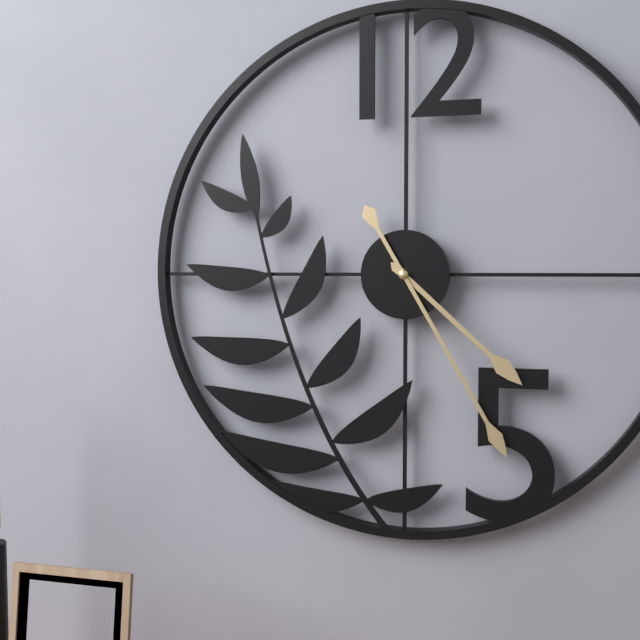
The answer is 4.25
